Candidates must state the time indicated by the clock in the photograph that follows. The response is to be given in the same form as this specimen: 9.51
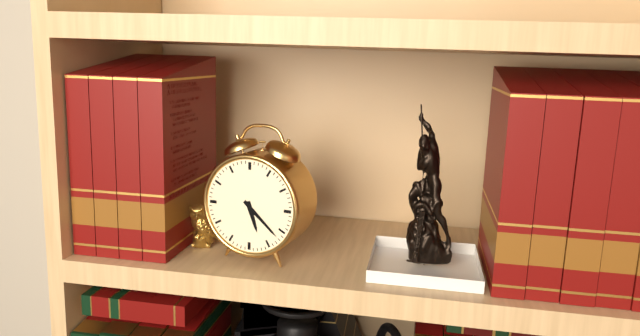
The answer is 5.22
